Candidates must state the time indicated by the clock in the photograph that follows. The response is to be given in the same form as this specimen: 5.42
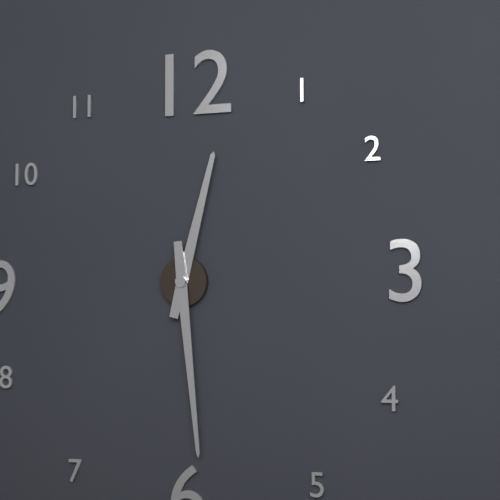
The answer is 12.29
